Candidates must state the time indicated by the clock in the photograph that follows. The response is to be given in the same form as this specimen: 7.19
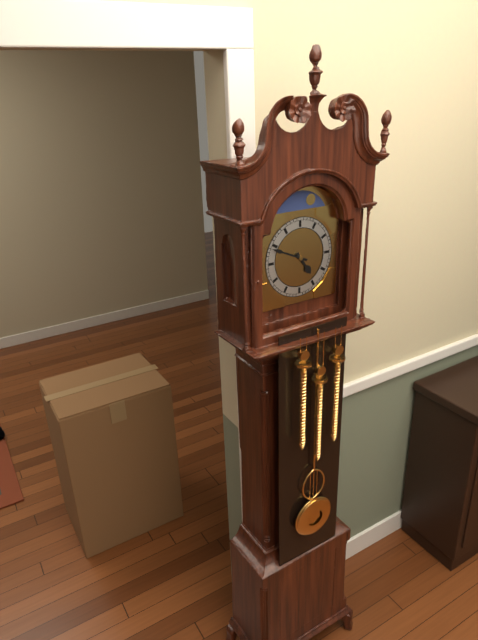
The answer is 4.49
